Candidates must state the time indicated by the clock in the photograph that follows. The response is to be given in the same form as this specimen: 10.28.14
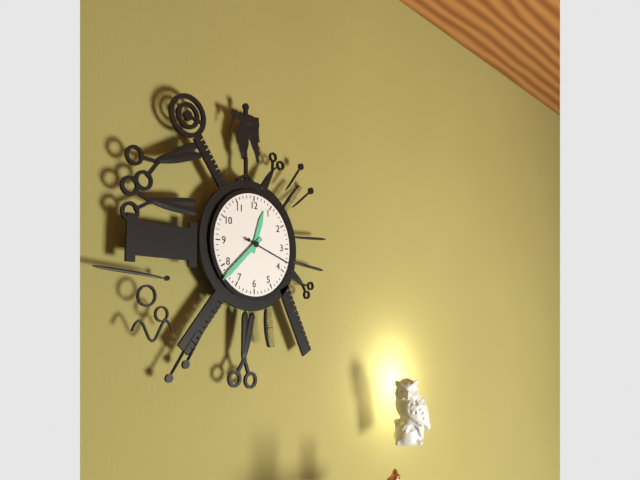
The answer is 12.38.18
